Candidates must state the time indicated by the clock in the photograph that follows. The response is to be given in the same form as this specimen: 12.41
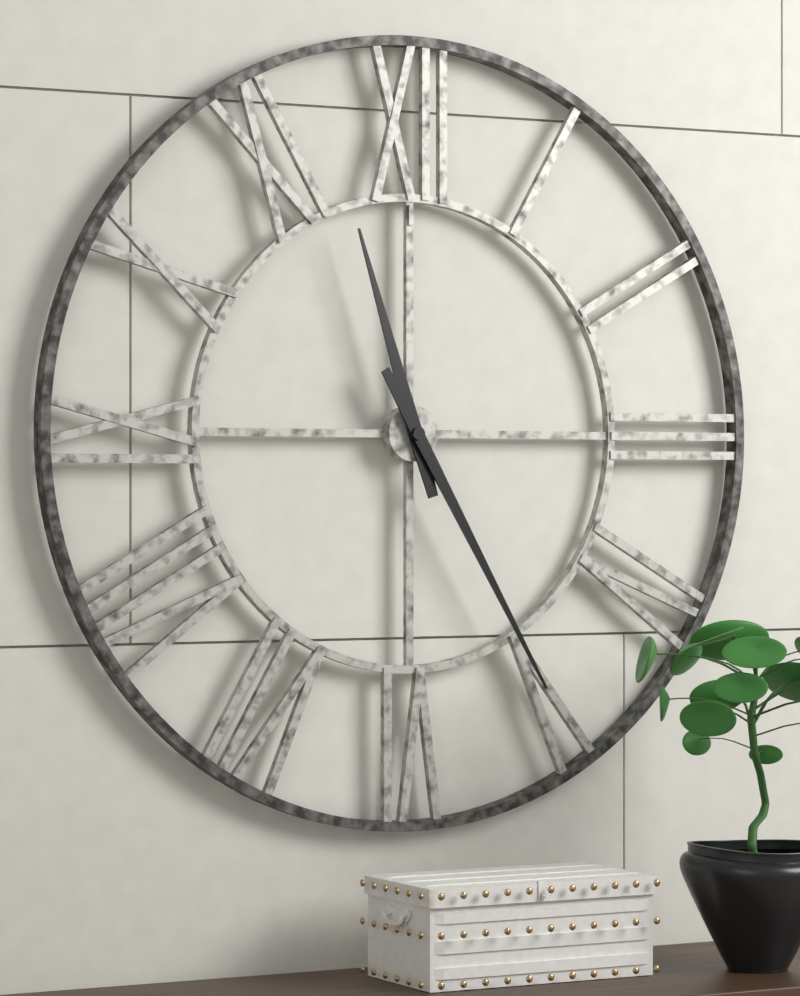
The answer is 11.25
